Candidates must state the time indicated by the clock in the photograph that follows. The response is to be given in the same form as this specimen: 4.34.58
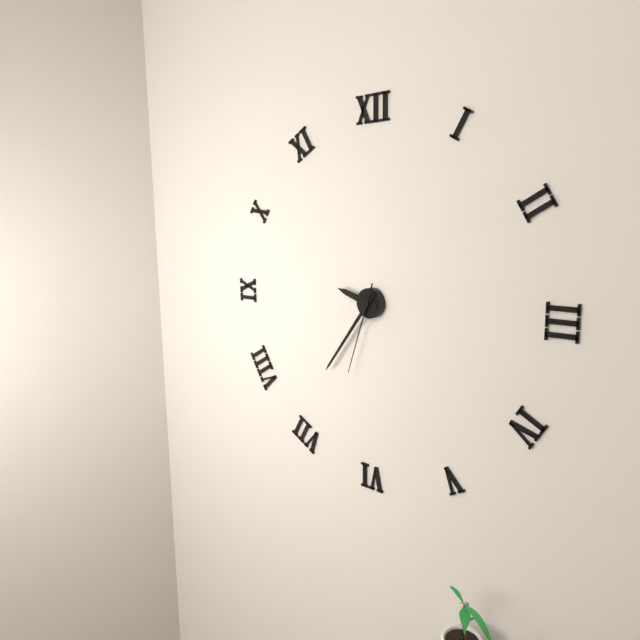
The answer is 9.36.33
